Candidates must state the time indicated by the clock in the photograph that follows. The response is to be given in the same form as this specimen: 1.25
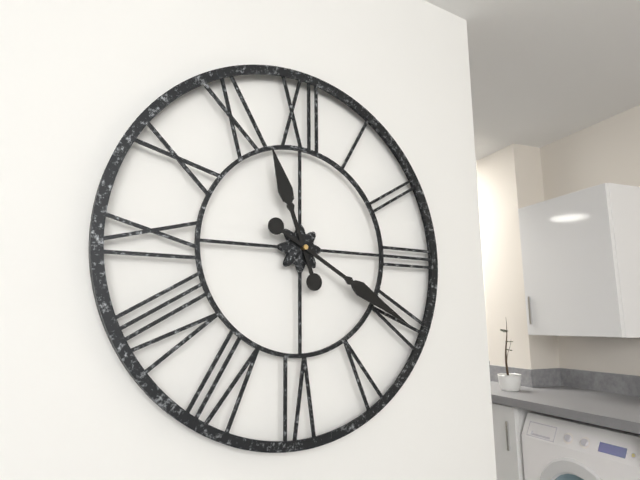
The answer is 11.20
